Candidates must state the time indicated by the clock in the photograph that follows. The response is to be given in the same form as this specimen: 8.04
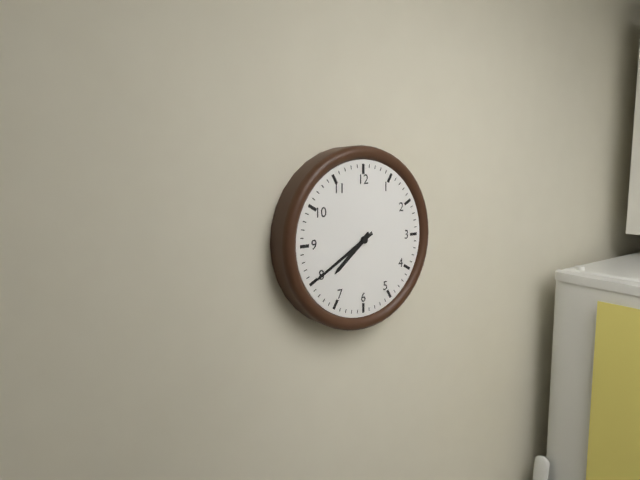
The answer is 7.40
